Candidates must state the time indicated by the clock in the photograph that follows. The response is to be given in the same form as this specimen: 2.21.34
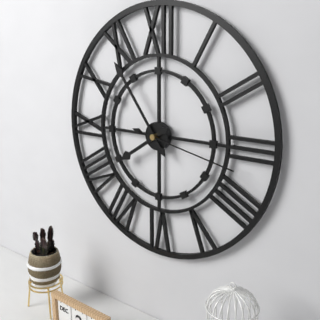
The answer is 7.54.17
